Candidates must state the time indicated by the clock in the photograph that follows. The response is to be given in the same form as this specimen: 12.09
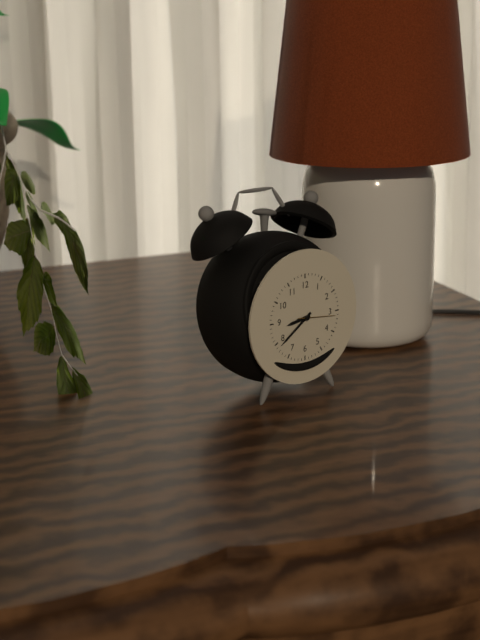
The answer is 8.39
